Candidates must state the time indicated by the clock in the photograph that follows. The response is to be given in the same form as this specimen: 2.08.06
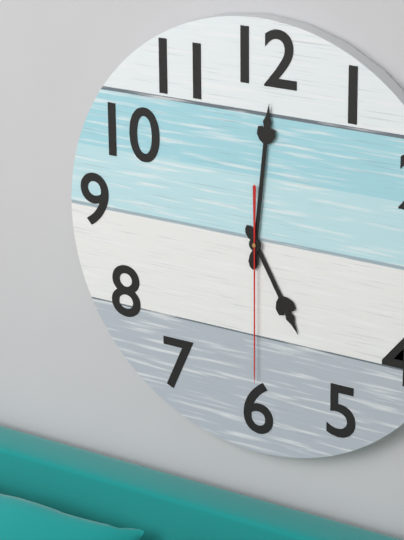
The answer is 5.01.30
